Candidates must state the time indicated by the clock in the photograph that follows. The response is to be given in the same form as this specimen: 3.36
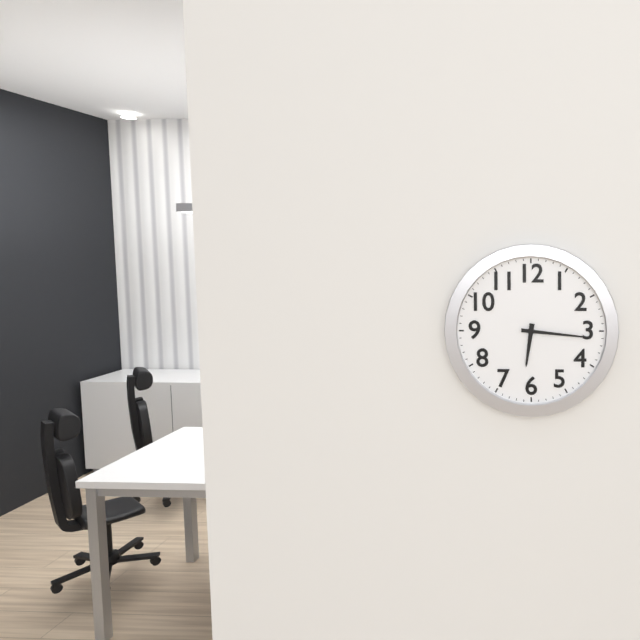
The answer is 6.16
